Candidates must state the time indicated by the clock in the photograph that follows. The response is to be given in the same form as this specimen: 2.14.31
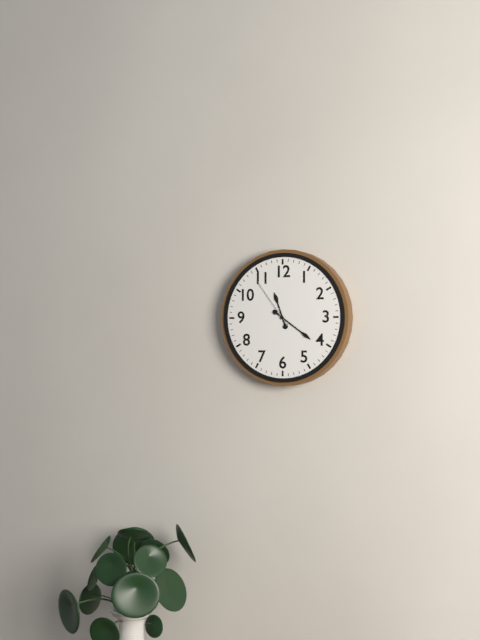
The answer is 11.21.54
